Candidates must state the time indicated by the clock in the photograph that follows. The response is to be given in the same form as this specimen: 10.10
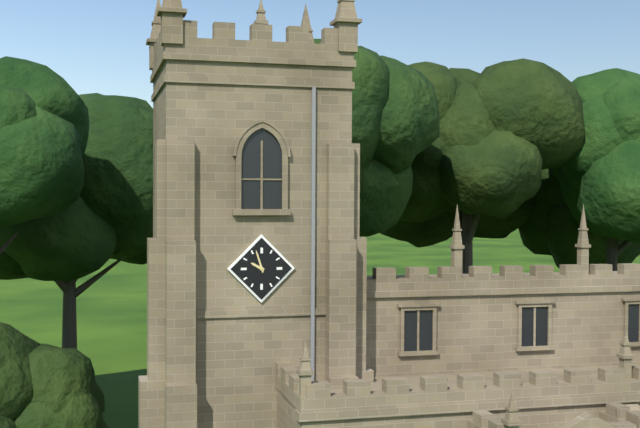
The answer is 9.57
